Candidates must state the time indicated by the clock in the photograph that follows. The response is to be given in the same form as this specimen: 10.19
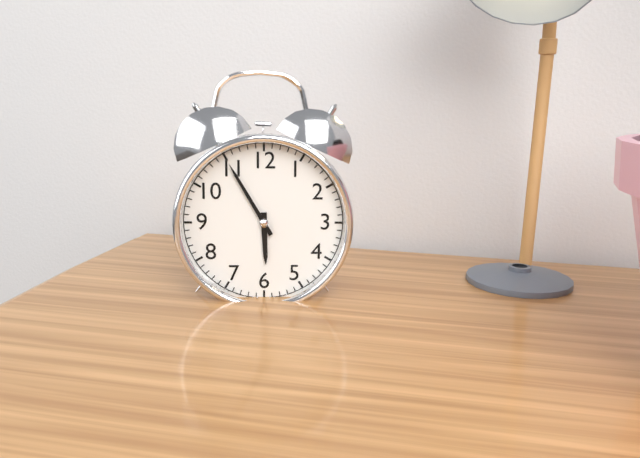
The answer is 5.55
